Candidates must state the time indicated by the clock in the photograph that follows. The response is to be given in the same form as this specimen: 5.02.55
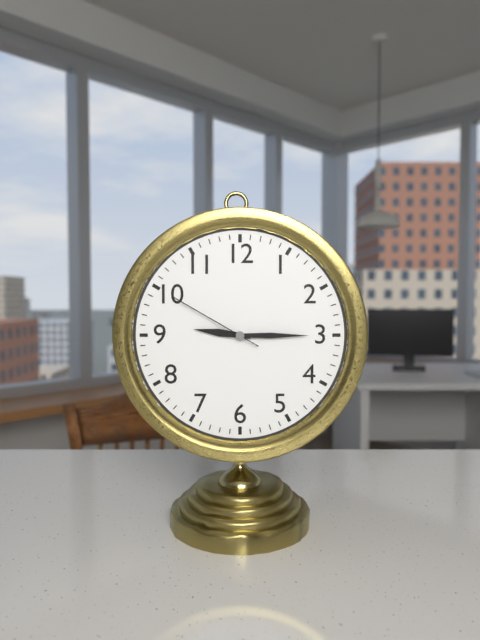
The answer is 9.15.50
